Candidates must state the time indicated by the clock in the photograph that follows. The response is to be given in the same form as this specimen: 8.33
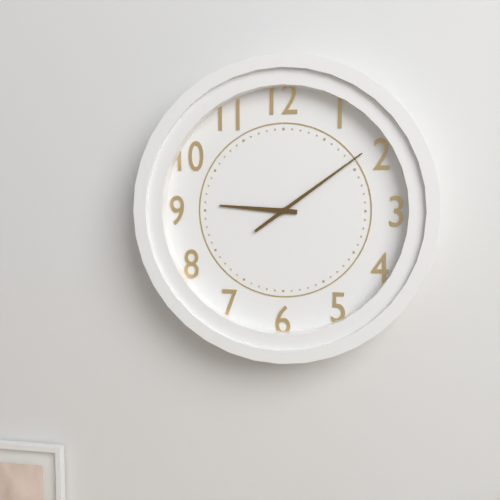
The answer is 9.09
